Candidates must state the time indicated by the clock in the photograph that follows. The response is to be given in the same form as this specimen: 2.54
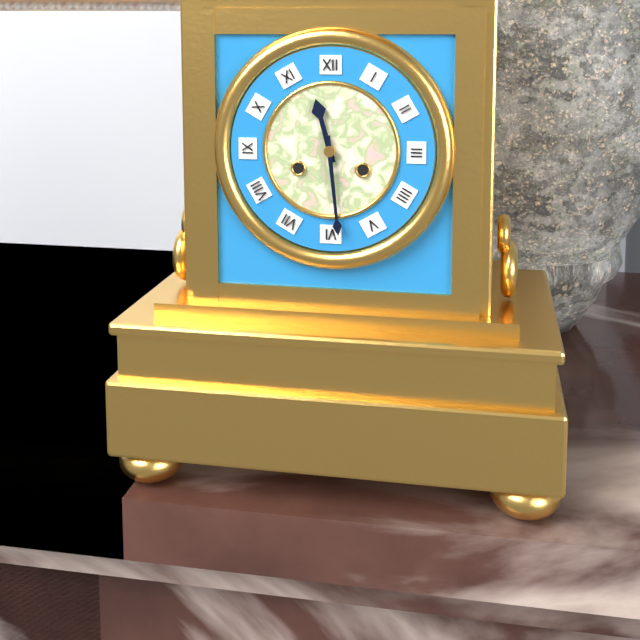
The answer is 11.29
